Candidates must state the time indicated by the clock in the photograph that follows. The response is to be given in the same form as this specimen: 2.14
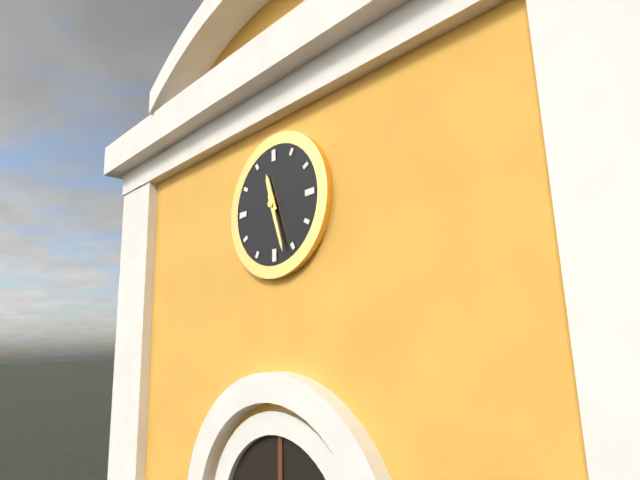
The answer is 11.27
